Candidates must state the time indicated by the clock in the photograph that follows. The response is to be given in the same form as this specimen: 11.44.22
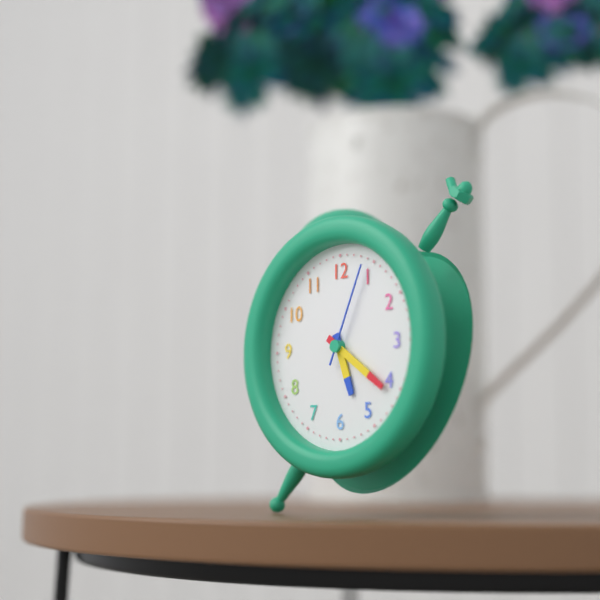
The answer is 5.21.04
